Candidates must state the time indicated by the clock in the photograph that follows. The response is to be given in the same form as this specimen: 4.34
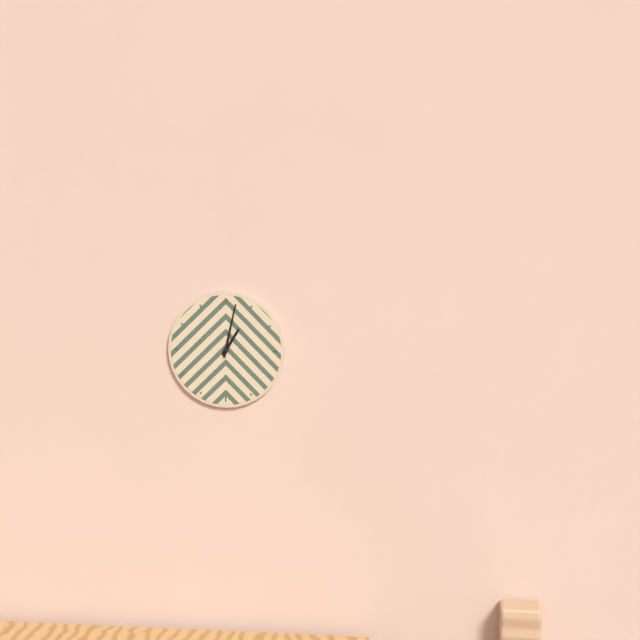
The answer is 1.02
